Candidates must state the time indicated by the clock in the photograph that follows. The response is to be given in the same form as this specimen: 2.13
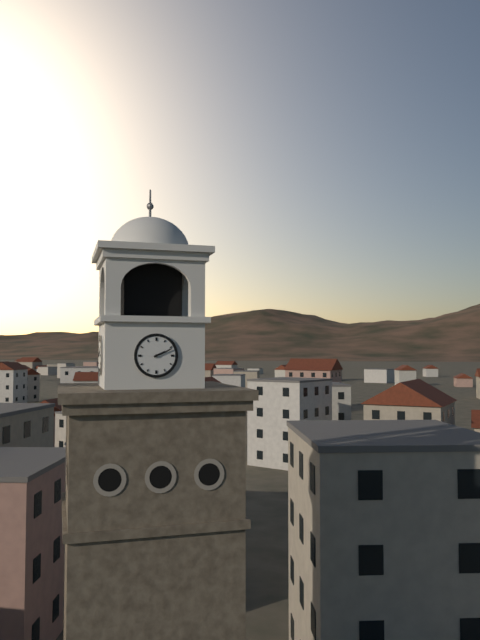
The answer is 2.11
